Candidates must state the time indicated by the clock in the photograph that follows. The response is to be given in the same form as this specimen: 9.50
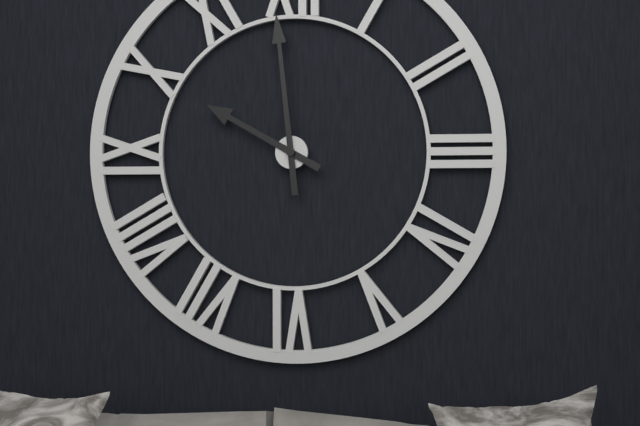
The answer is 9.59
